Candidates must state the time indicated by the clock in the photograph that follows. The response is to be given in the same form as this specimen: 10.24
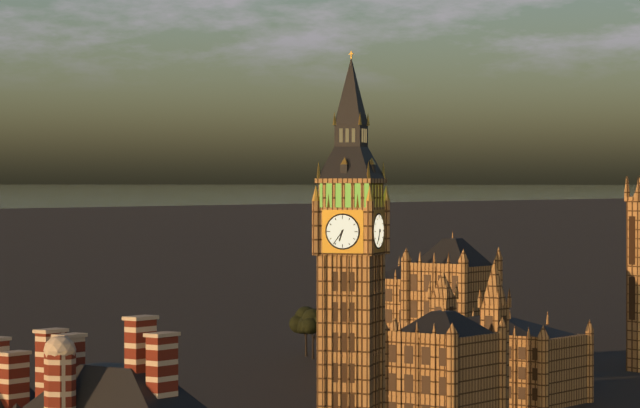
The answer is 6.36
